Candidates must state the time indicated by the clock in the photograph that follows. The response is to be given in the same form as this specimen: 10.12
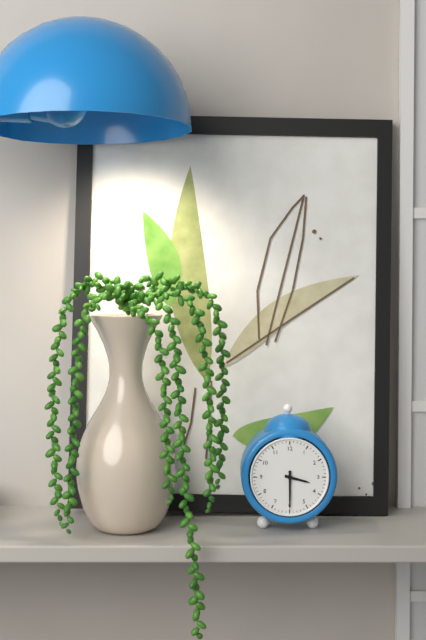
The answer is 3.30
